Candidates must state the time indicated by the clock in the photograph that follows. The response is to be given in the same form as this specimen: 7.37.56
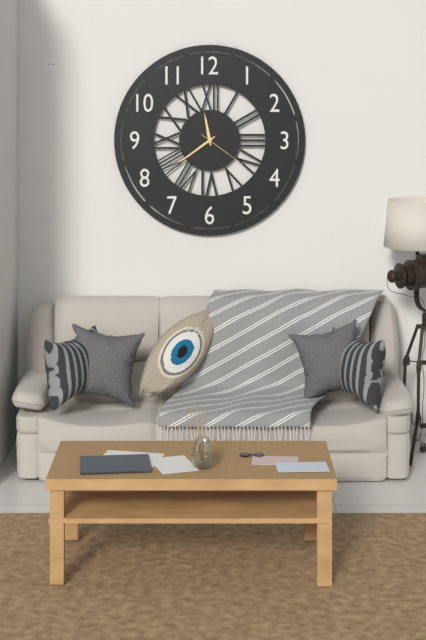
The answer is 11.39.21
